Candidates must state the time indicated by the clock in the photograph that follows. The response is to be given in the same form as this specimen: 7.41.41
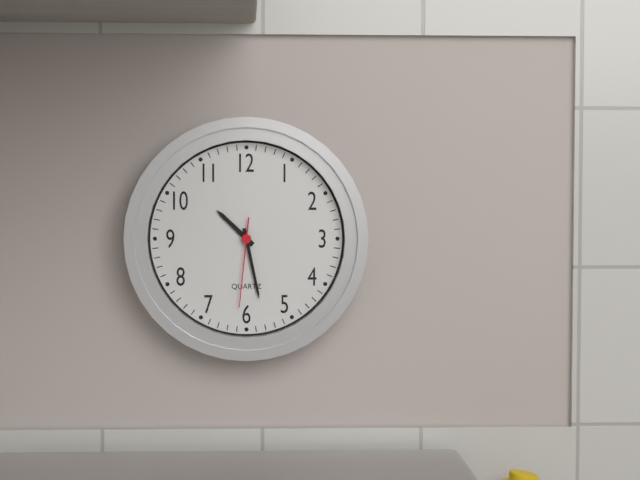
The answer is 10.28.31
